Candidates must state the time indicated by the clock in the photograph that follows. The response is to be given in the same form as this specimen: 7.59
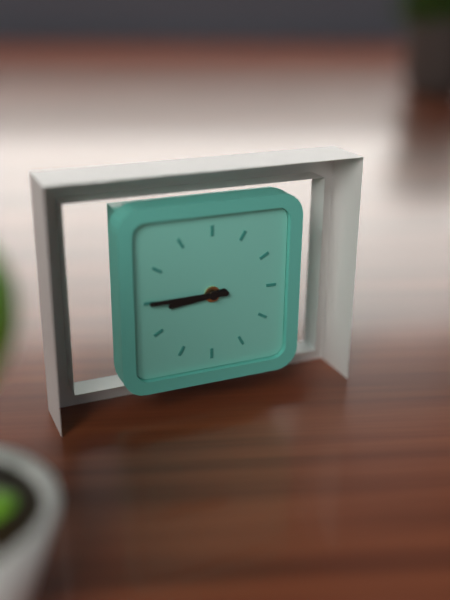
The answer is 8.45
